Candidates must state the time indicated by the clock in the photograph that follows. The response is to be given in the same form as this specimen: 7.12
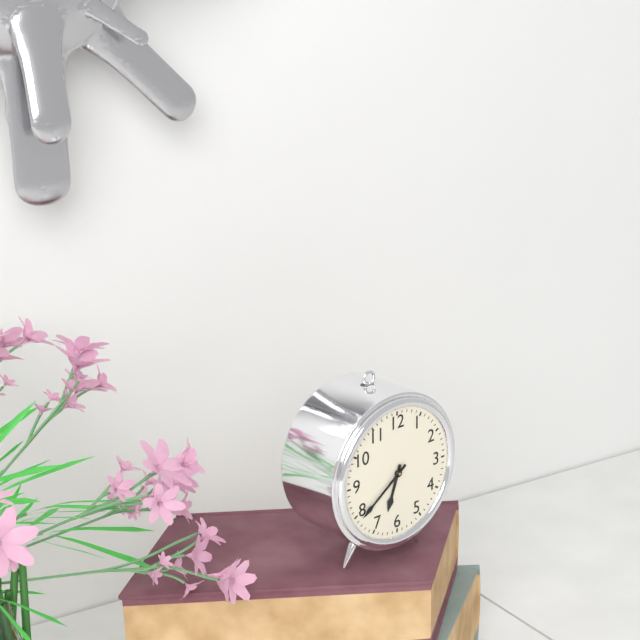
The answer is 6.39
